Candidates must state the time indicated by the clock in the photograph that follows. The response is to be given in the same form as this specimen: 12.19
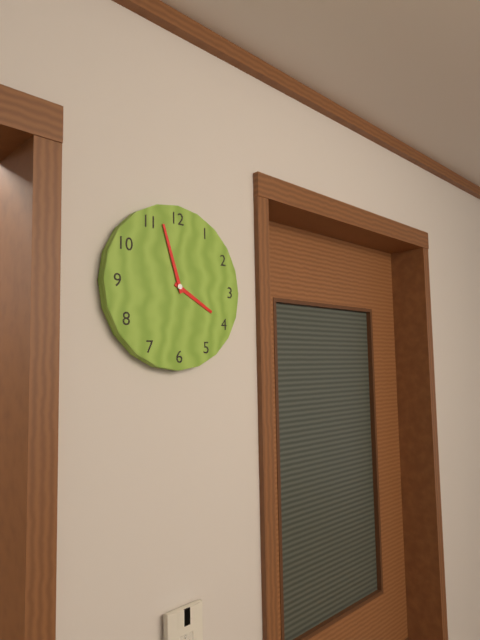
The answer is 3.57
